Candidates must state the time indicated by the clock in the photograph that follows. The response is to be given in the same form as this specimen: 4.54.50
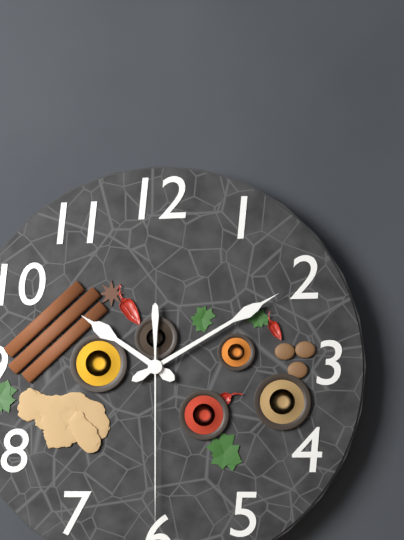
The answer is 10.10.30
